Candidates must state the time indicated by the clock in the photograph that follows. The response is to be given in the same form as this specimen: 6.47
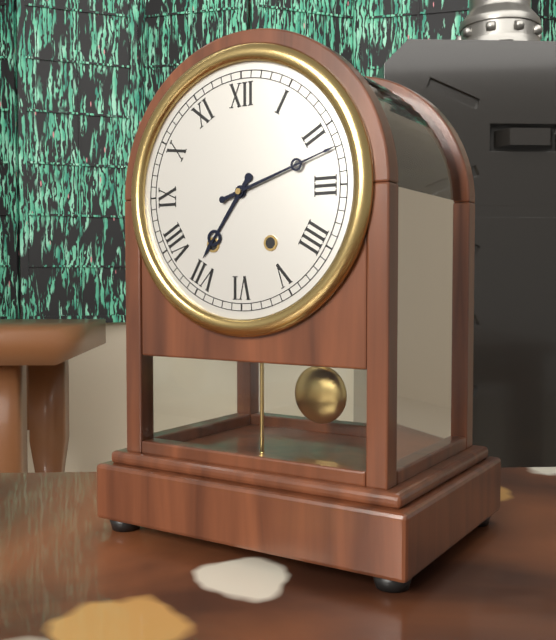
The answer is 7.12
